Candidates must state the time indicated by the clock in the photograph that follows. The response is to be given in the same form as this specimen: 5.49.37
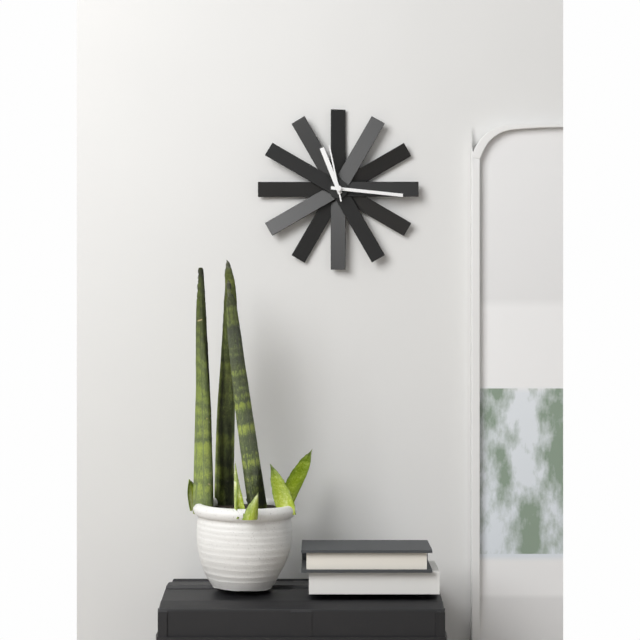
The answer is 11.16.58
